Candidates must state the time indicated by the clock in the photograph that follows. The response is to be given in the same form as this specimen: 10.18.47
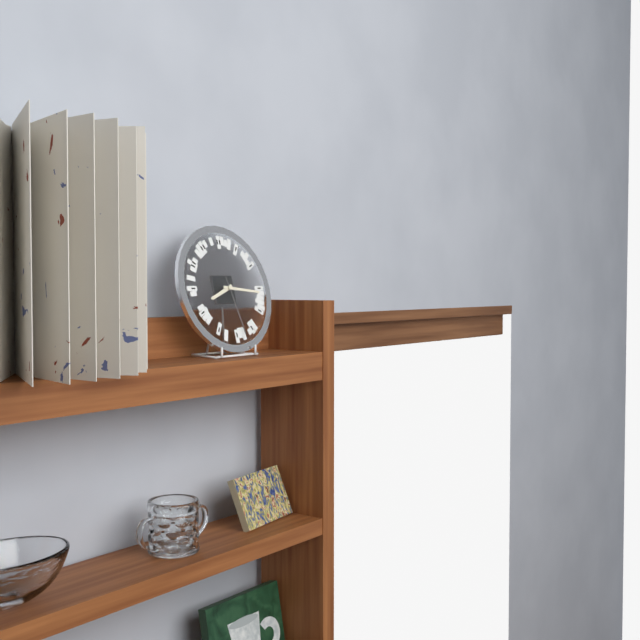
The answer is 8.16.28
